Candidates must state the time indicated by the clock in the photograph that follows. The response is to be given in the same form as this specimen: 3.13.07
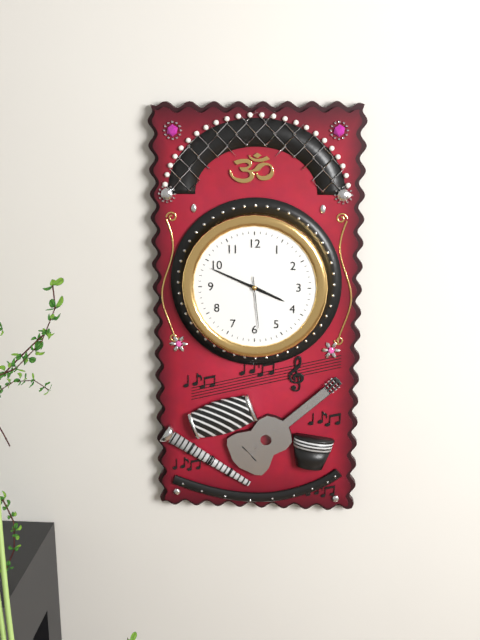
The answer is 3.49.29
